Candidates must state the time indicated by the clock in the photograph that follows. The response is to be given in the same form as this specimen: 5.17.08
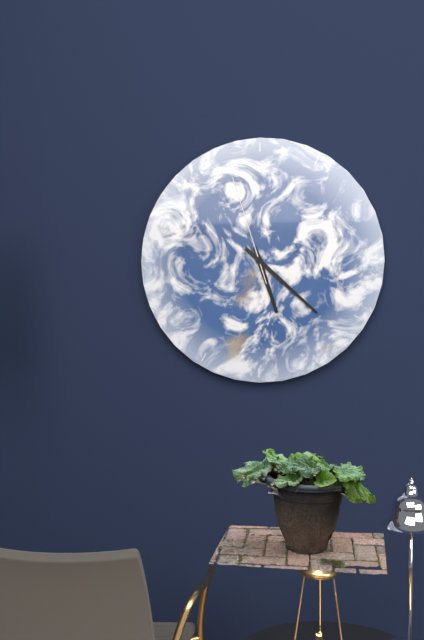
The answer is 5.22.57
